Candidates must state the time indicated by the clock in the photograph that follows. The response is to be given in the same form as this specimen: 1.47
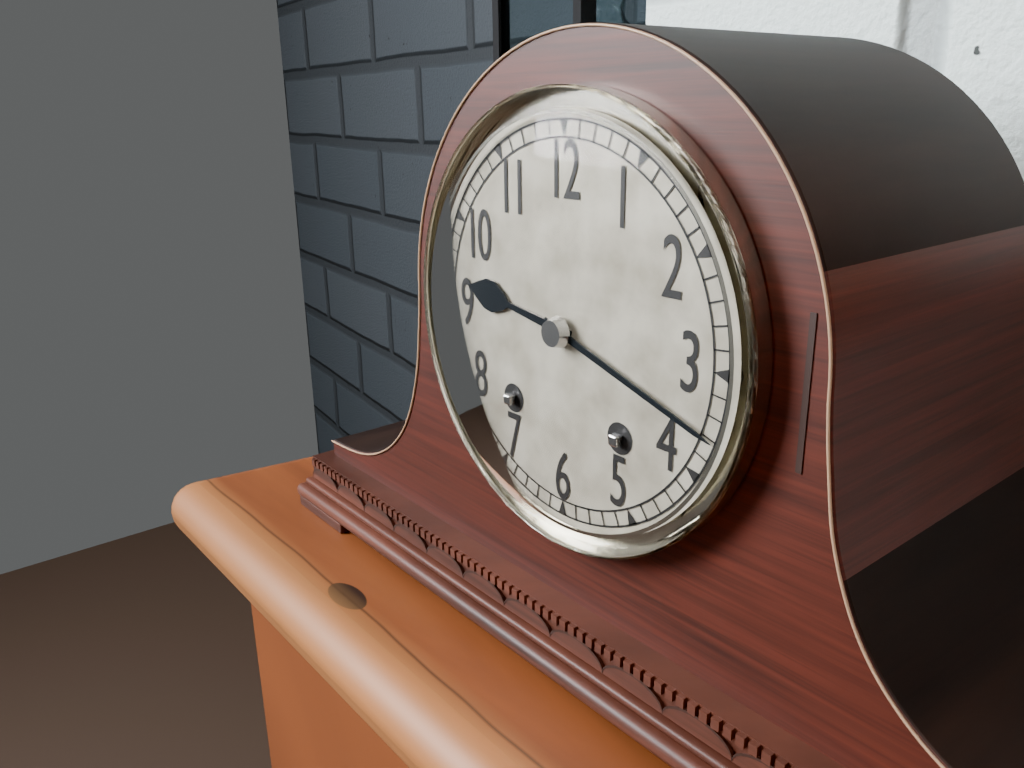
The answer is 9.18
